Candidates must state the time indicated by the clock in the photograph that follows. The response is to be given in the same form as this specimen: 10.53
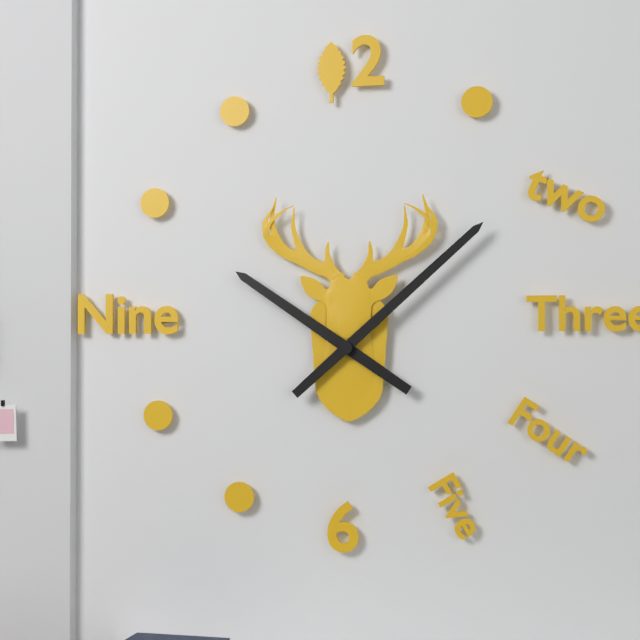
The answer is 10.08
